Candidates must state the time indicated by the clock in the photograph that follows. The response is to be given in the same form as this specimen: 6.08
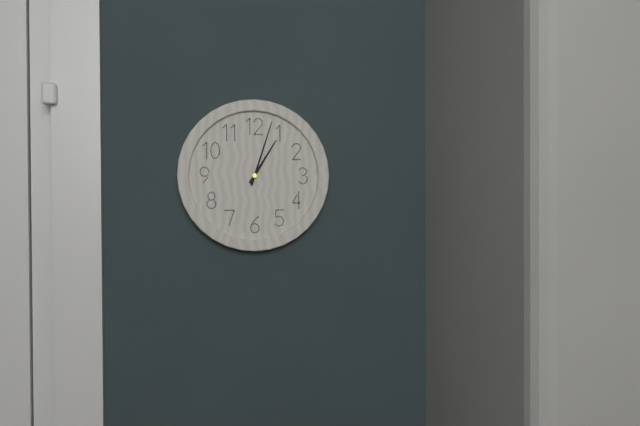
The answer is 1.03
